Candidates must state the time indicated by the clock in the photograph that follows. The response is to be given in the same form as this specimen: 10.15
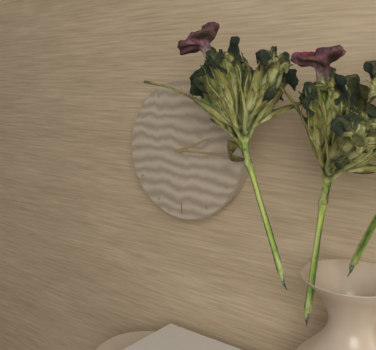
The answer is 2.15
